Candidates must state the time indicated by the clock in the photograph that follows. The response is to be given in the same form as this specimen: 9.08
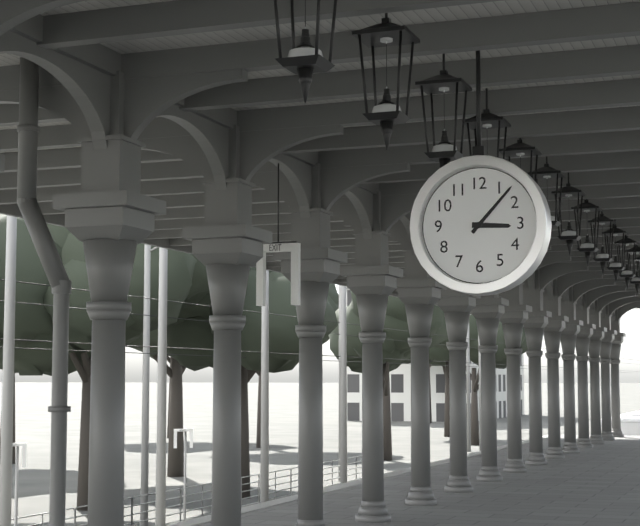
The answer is 3.07
